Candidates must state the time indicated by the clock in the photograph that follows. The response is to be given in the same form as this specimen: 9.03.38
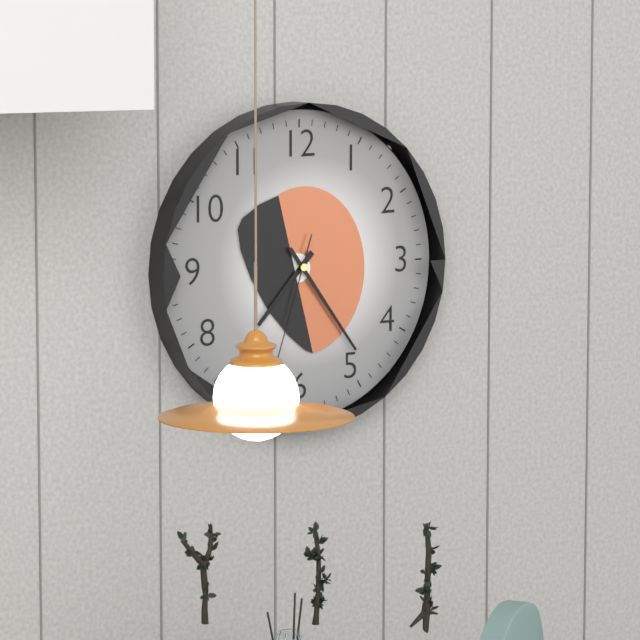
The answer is 7.24.33
